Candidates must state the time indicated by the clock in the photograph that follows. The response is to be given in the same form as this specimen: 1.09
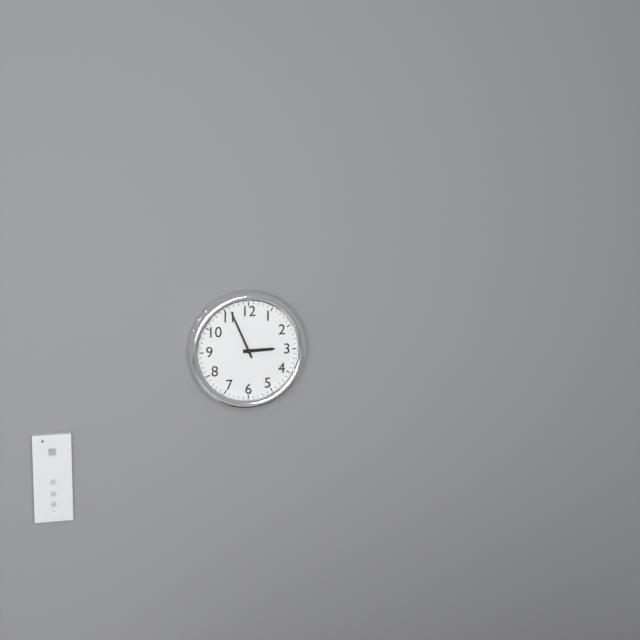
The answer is 2.56
